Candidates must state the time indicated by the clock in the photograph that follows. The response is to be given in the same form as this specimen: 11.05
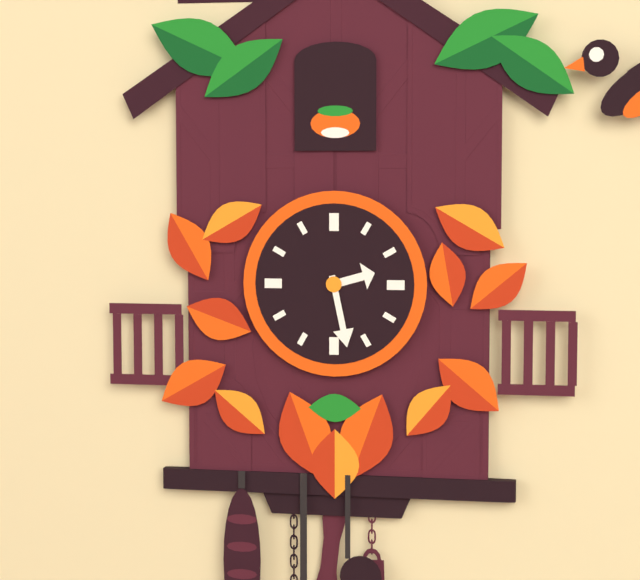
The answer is 2.28
